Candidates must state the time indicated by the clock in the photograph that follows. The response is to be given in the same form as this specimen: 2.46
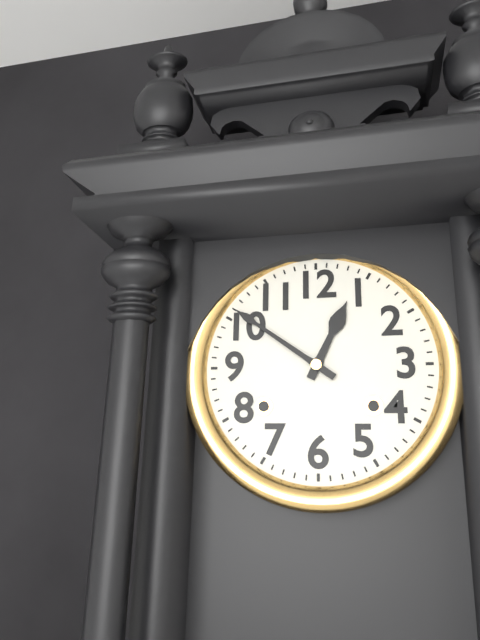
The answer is 12.51
